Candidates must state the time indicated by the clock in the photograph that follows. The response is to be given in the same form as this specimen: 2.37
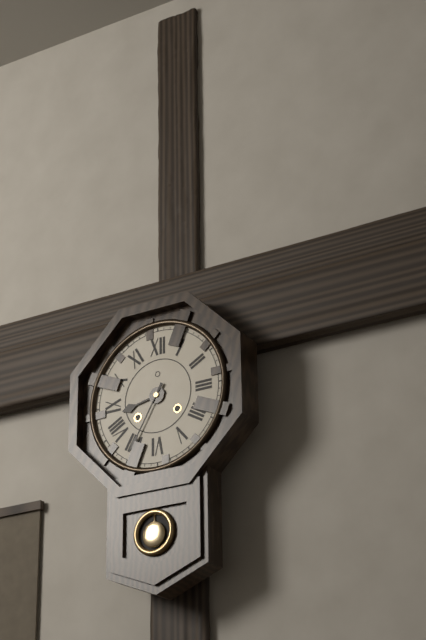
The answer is 8.35
